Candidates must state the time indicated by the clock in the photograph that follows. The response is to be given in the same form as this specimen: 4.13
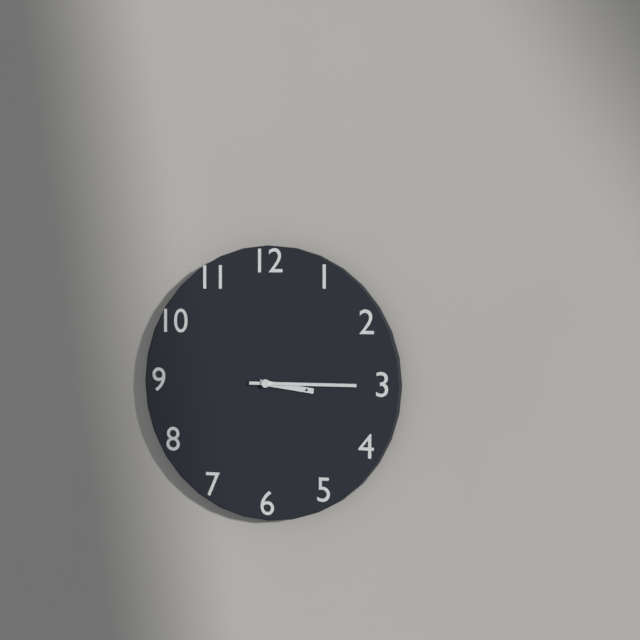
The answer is 3.15
